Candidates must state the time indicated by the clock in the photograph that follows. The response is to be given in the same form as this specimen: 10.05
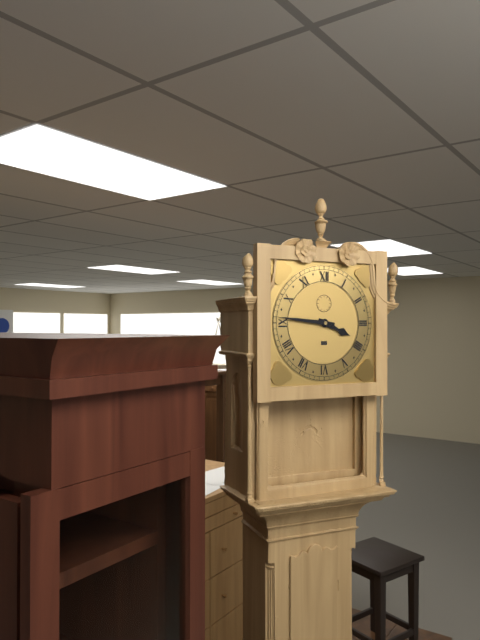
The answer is 3.46
